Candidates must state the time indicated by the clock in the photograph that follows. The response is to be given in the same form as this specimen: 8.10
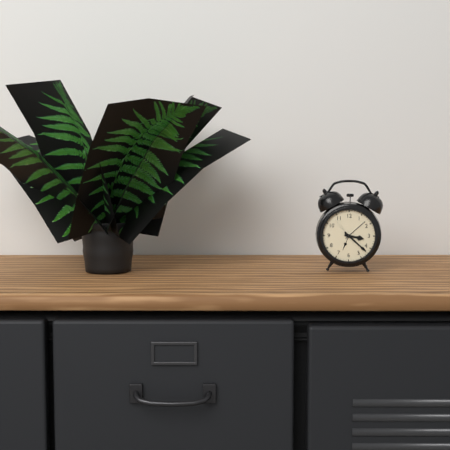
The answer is 3.22
